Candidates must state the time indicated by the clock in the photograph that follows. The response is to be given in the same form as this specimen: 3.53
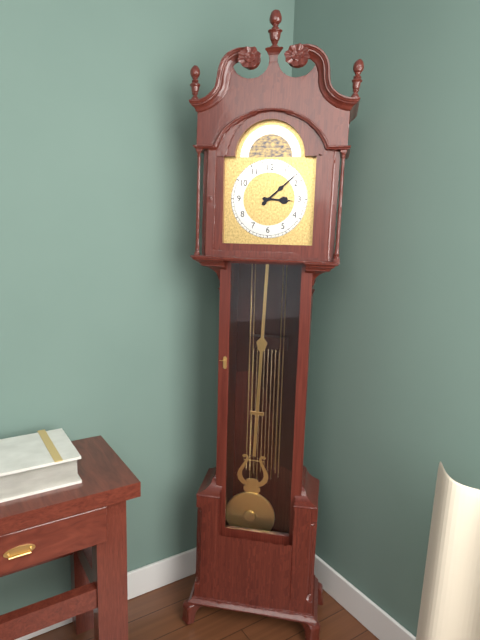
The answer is 3.08
